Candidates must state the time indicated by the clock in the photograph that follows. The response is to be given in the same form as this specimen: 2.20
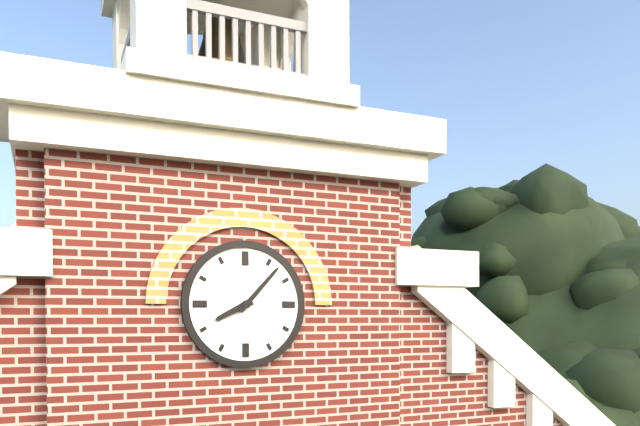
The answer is 8.07
